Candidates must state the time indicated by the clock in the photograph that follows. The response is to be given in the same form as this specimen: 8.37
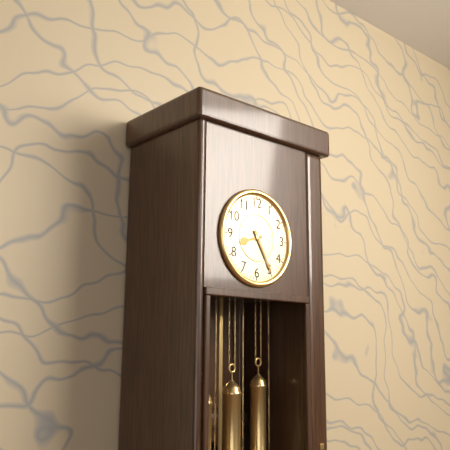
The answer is 8.25
